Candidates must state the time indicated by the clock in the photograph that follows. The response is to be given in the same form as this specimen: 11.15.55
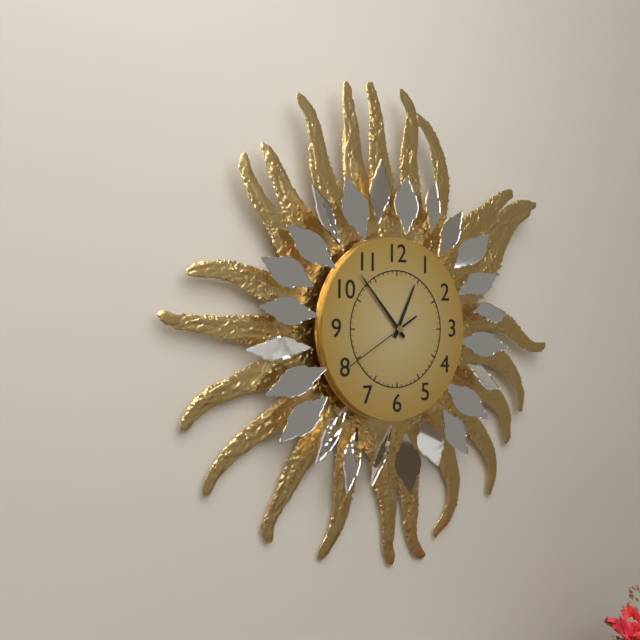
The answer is 12.53.40
